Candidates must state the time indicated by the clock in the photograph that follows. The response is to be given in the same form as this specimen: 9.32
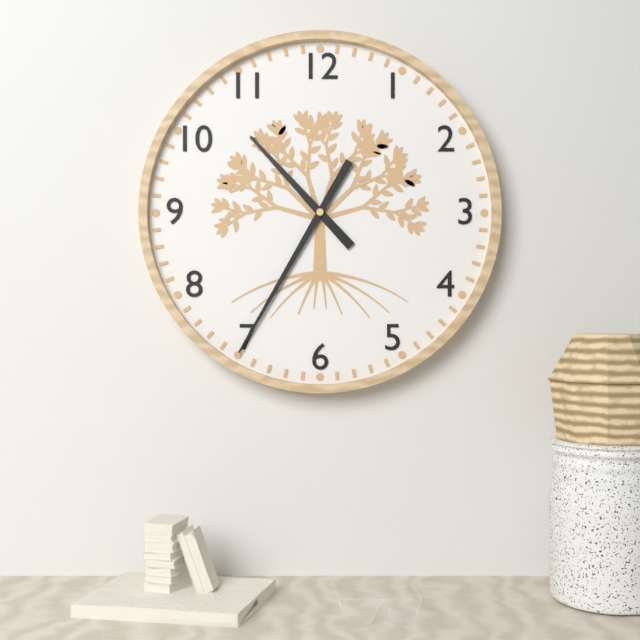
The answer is 10.35
